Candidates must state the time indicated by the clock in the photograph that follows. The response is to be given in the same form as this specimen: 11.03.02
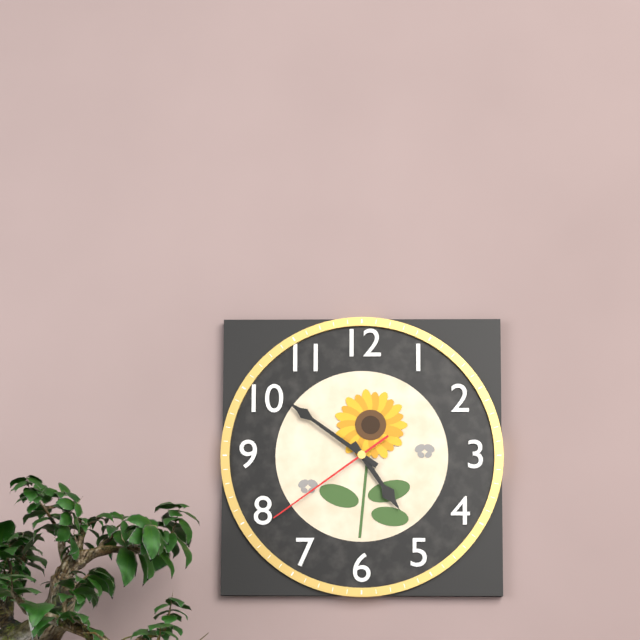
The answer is 4.51.39
